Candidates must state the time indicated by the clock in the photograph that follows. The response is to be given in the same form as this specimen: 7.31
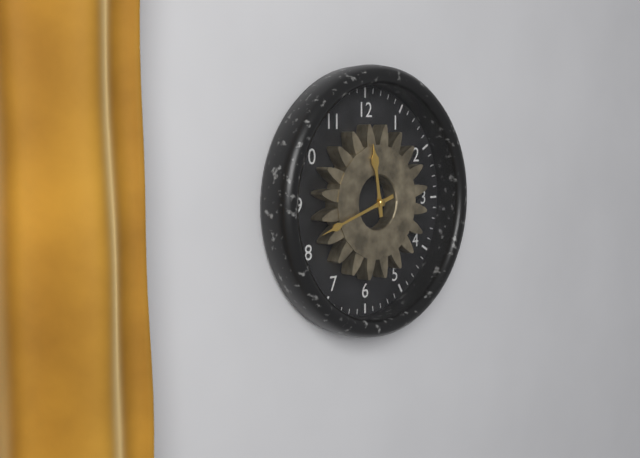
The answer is 11.42
